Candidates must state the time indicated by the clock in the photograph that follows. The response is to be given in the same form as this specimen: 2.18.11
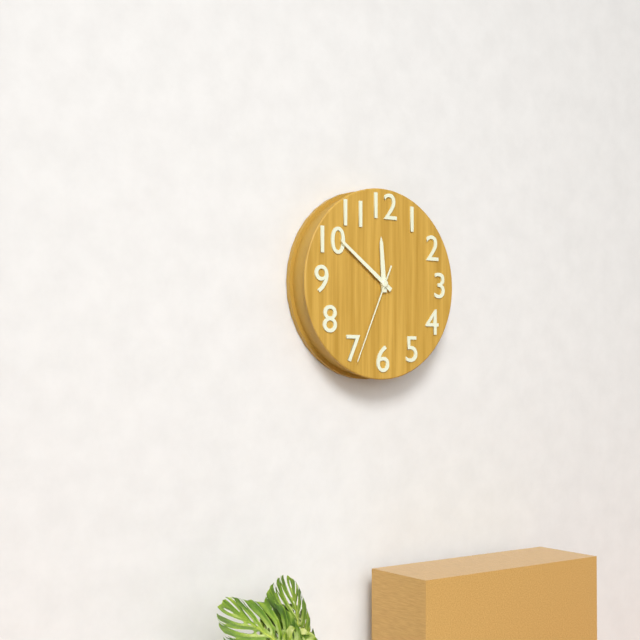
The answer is 11.51.34
